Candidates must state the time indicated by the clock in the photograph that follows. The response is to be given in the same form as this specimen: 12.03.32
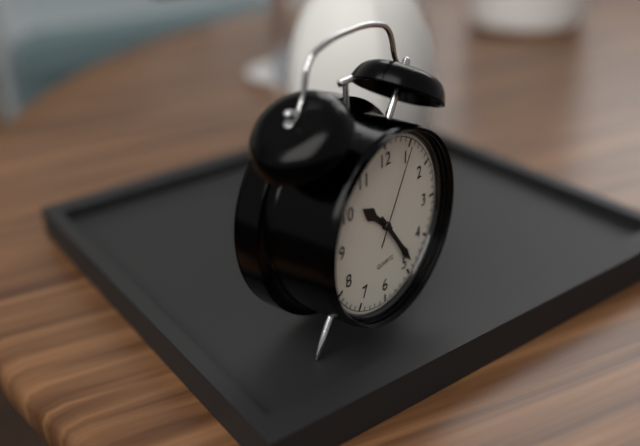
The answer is 10.24.05
